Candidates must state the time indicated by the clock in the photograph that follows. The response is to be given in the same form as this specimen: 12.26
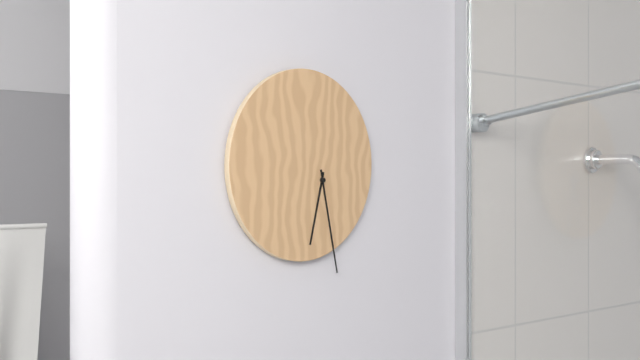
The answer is 6.28
